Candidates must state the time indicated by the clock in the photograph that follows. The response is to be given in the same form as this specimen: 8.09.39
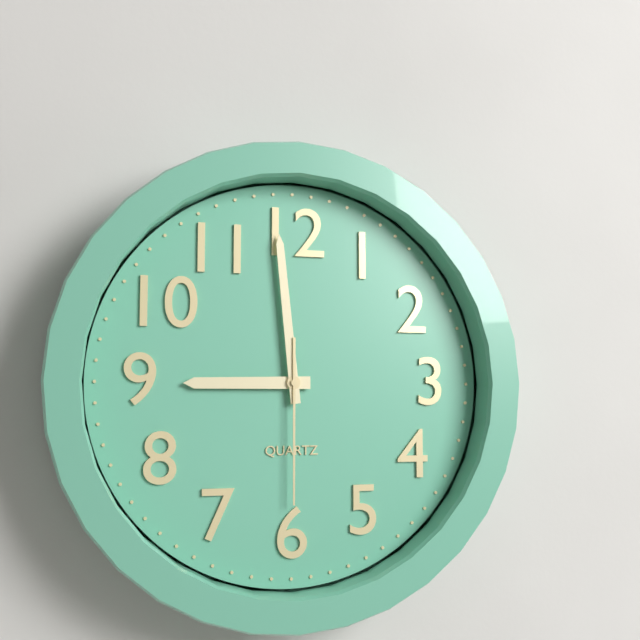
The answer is 8.59.30
